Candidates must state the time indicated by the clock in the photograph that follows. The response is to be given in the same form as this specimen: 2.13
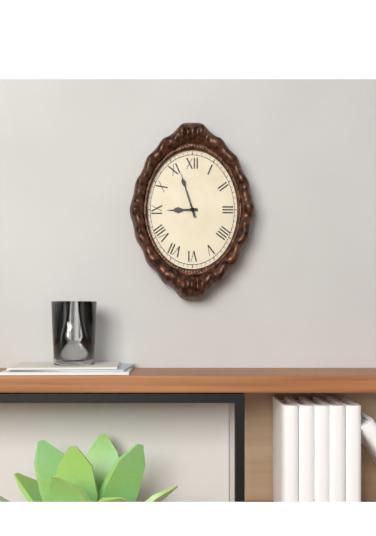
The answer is 8.57
